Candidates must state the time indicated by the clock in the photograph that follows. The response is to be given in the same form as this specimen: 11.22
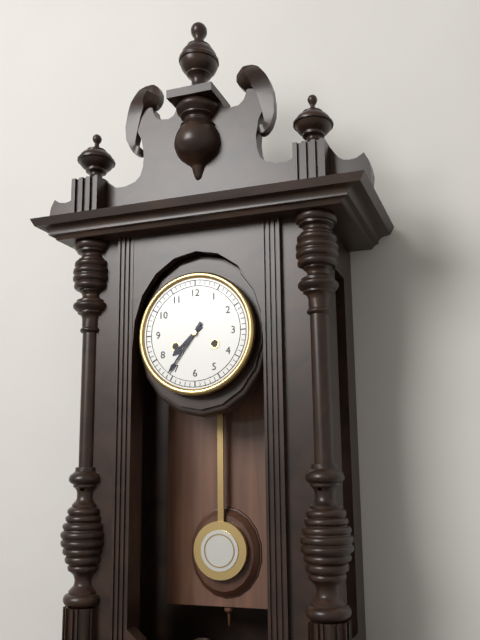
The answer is 7.36
